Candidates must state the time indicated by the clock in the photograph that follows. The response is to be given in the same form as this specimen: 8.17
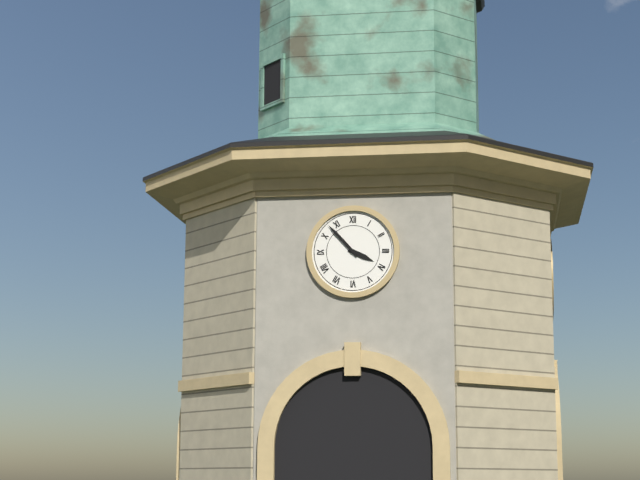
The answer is 3.53
